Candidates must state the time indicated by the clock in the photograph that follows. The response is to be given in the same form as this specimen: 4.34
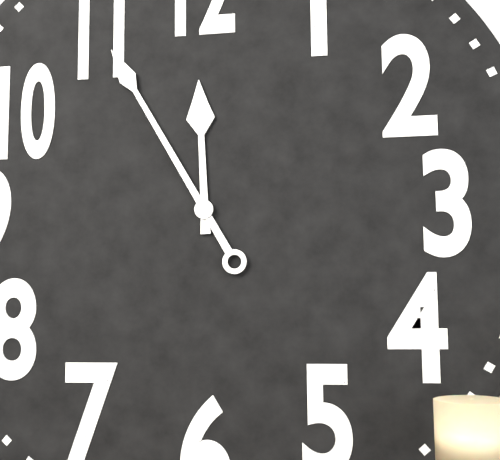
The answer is 11.55
